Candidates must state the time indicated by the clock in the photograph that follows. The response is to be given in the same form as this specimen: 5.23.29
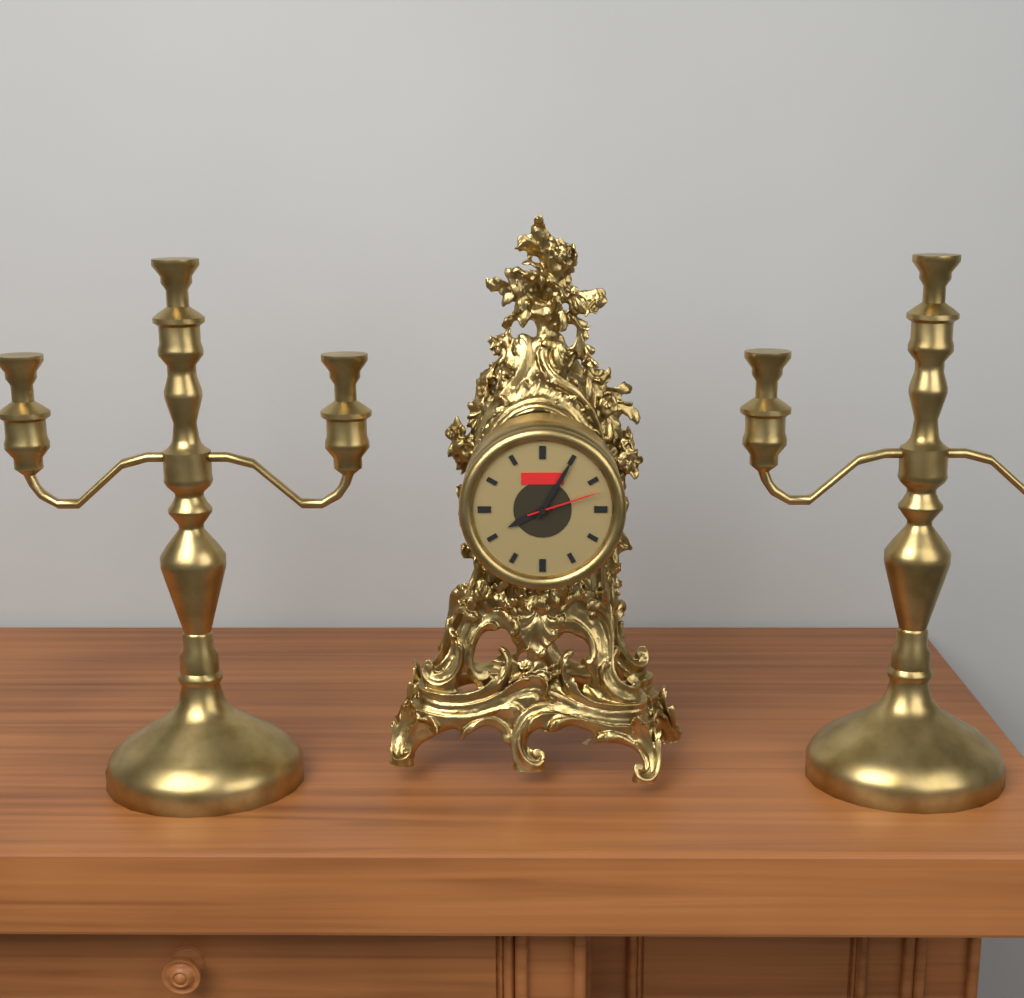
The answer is 8.05.12
